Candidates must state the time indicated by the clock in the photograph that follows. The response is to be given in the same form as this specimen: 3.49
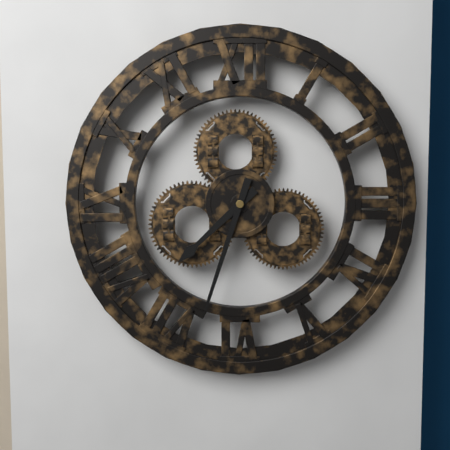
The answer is 7.33
